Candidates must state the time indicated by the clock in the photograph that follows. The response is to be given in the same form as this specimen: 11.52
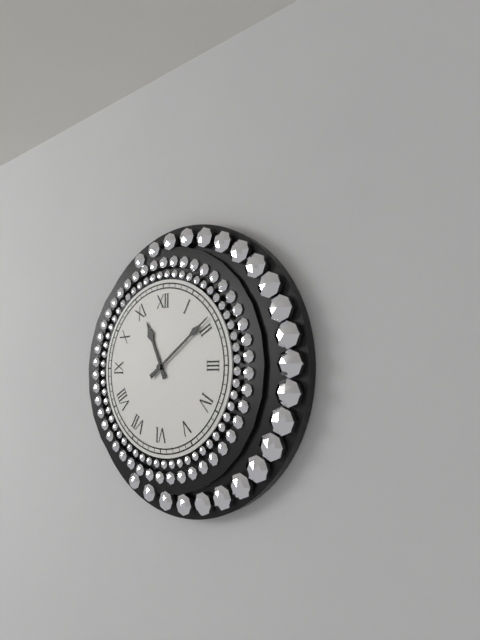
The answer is 11.09
